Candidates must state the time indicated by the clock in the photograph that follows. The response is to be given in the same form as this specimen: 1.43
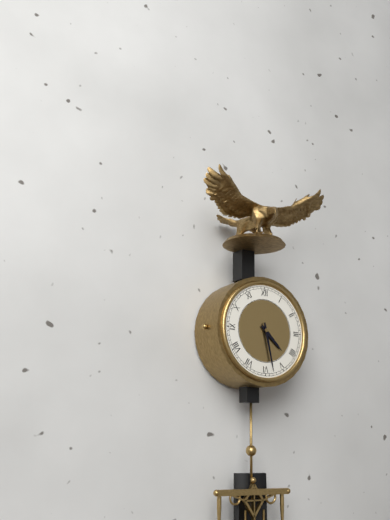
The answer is 4.28
